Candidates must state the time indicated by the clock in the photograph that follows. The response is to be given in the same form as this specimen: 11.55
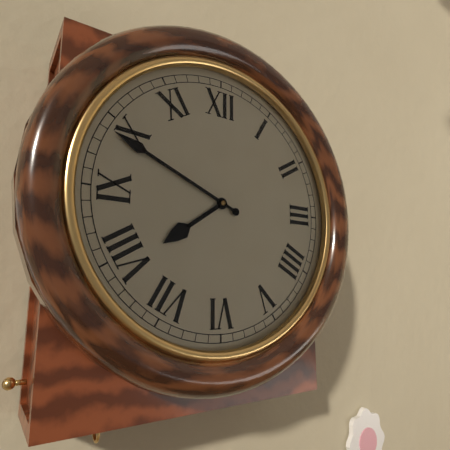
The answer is 7.49
